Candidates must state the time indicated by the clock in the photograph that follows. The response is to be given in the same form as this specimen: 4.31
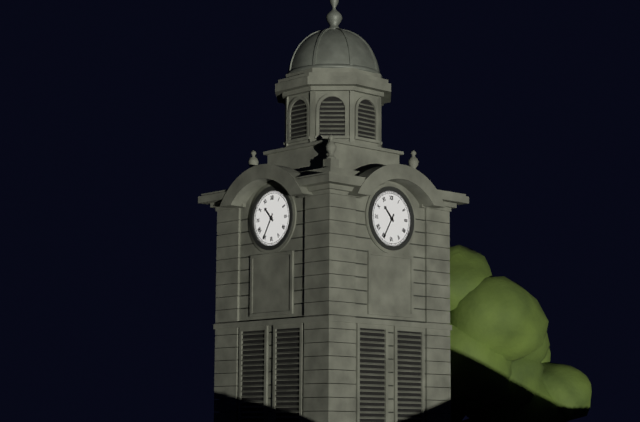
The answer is 10.35
